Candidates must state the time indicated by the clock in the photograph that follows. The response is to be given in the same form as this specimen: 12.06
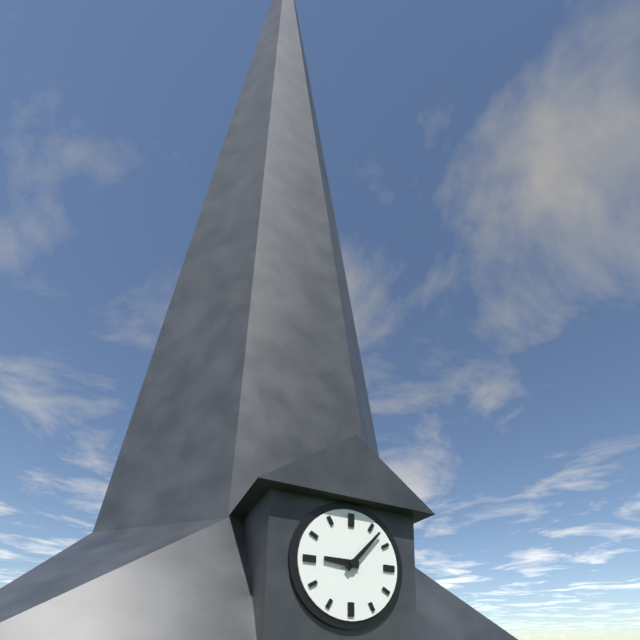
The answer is 9.07
